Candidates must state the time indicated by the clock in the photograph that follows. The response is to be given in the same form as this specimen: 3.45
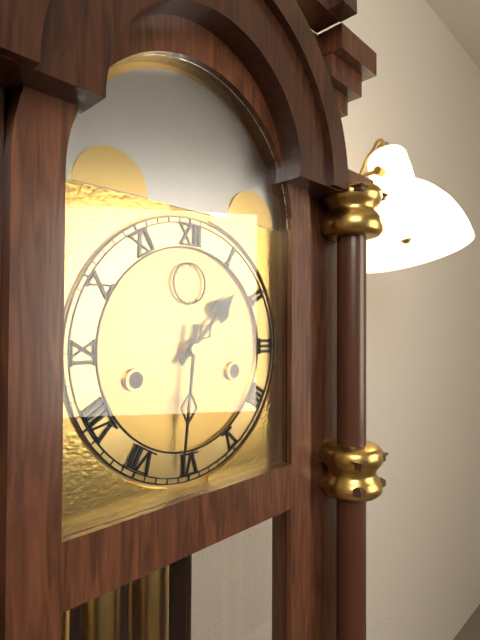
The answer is 1.31
